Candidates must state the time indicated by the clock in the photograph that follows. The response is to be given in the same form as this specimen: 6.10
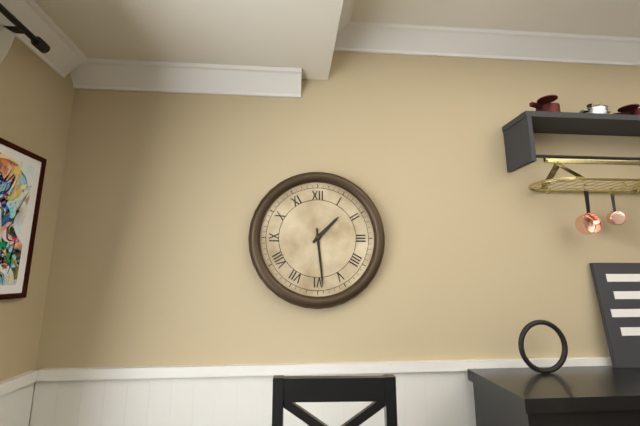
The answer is 1.29
